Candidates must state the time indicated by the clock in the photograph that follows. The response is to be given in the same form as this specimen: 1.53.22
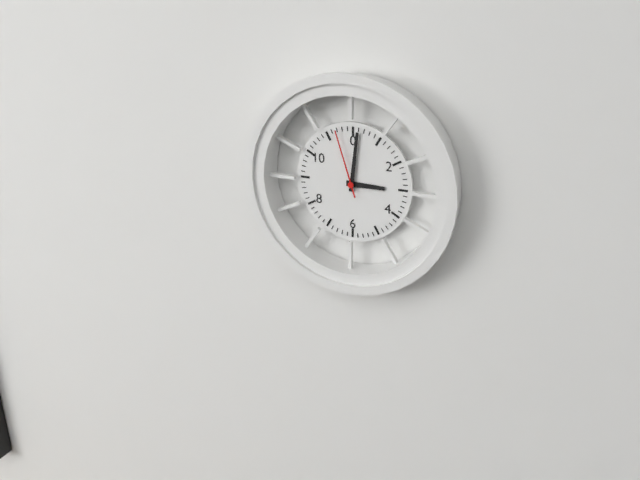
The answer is 3.01.57
